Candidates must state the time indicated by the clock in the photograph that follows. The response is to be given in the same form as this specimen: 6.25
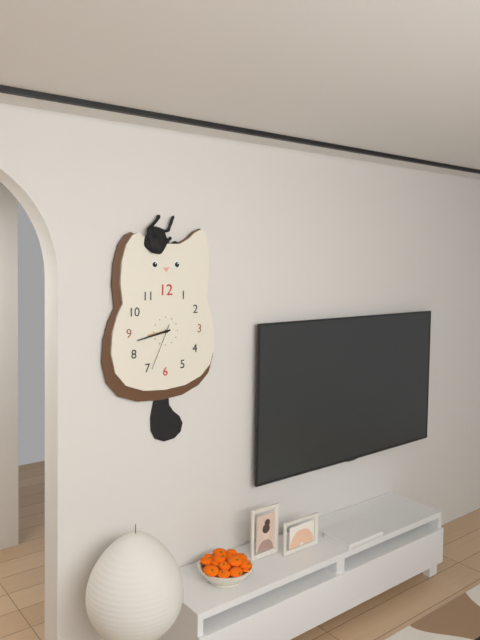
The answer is 8.43
